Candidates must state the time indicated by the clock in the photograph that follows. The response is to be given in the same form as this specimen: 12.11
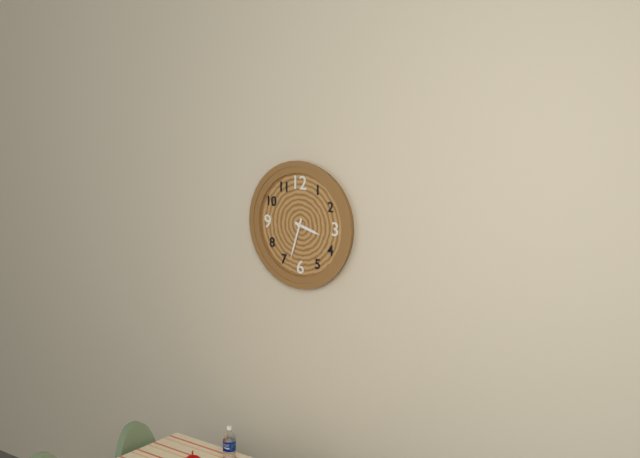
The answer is 3.33
